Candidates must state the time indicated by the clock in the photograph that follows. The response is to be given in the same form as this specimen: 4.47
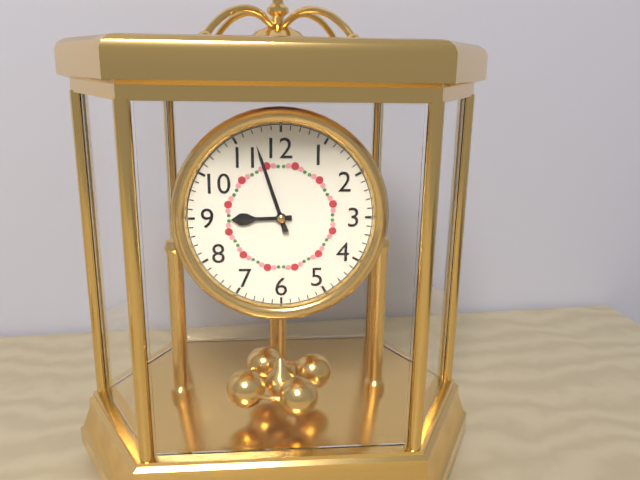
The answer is 8.57
